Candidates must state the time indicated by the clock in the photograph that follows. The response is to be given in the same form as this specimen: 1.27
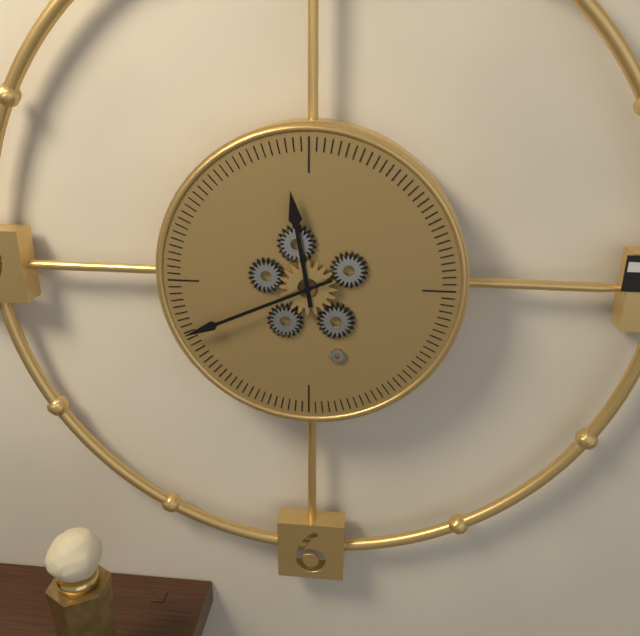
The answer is 11.41
